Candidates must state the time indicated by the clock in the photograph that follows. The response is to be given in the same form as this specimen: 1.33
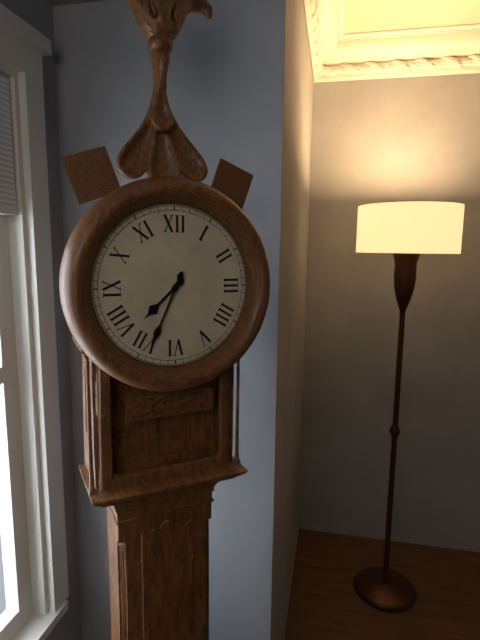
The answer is 7.34
